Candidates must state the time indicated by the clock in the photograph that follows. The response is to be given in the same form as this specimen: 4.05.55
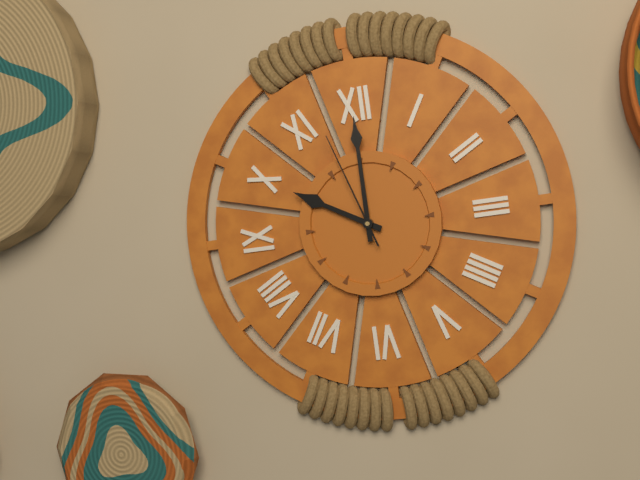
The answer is 10.00.57
